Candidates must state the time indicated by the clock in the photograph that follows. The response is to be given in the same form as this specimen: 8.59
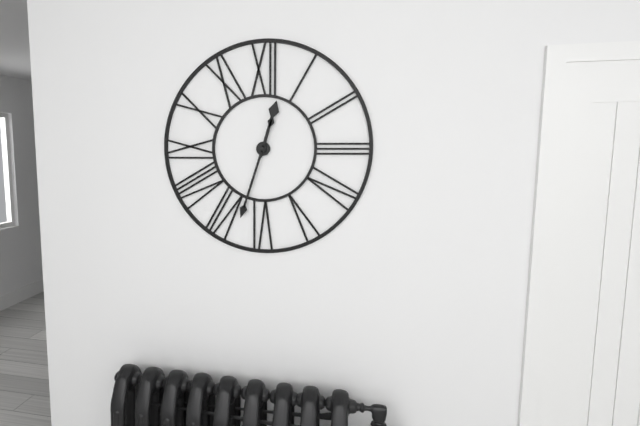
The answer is 12.33
